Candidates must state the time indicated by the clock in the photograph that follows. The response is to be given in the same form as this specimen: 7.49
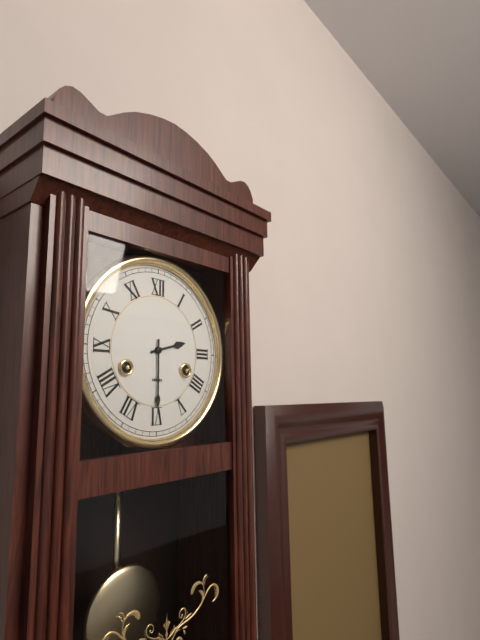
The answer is 2.30
